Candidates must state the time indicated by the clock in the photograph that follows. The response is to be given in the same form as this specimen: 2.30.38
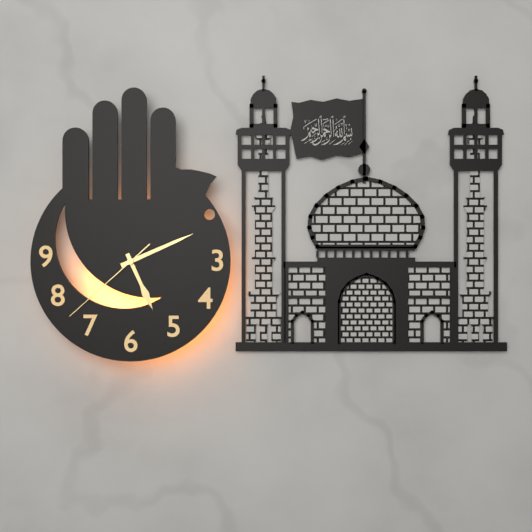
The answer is 5.11.38
